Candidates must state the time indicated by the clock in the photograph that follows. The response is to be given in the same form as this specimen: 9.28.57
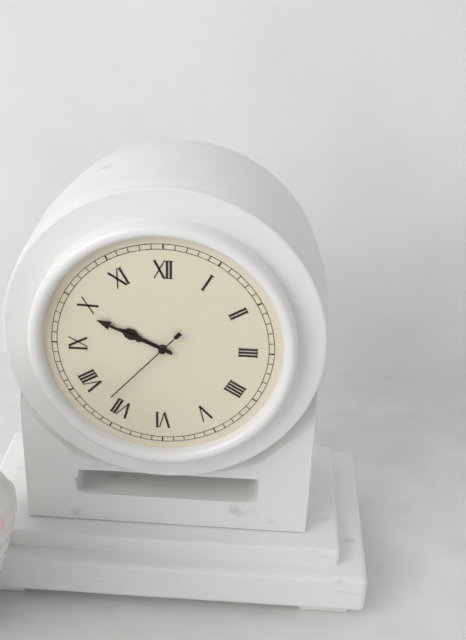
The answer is 9.49.37
